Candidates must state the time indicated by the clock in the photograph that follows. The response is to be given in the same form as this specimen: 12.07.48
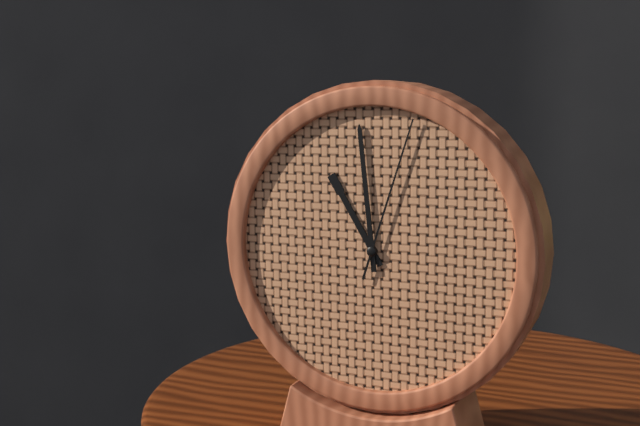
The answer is 10.59.03
